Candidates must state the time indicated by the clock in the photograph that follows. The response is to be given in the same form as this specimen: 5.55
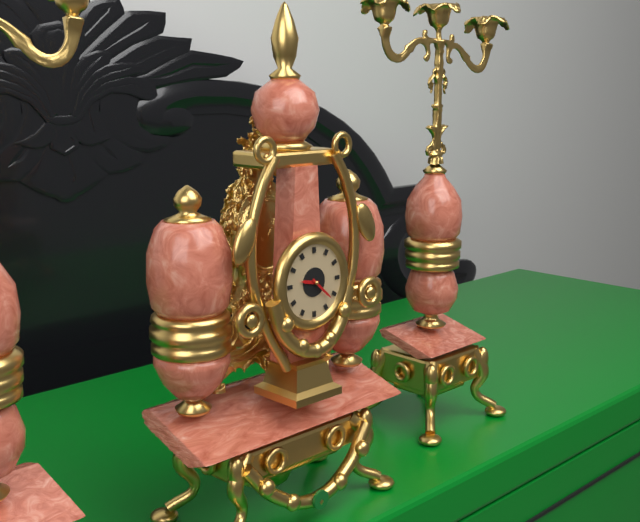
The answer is 9.22
